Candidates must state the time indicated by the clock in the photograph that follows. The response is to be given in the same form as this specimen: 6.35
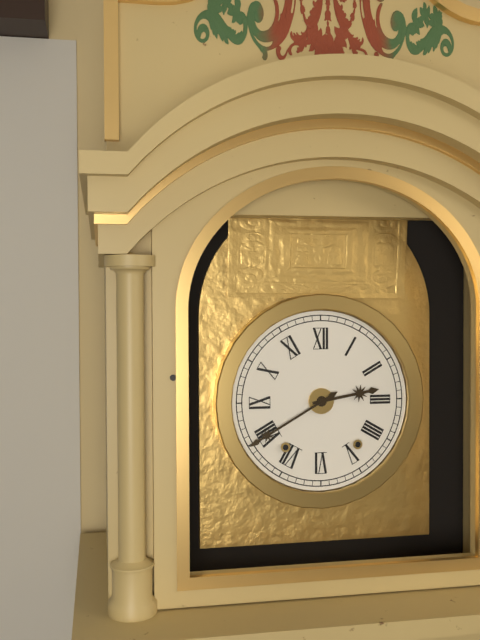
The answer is 2.40
